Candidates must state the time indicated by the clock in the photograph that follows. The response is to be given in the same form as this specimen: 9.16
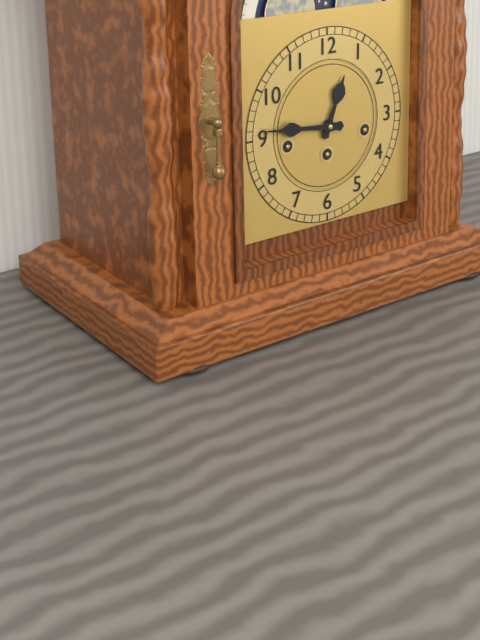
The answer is 12.46
